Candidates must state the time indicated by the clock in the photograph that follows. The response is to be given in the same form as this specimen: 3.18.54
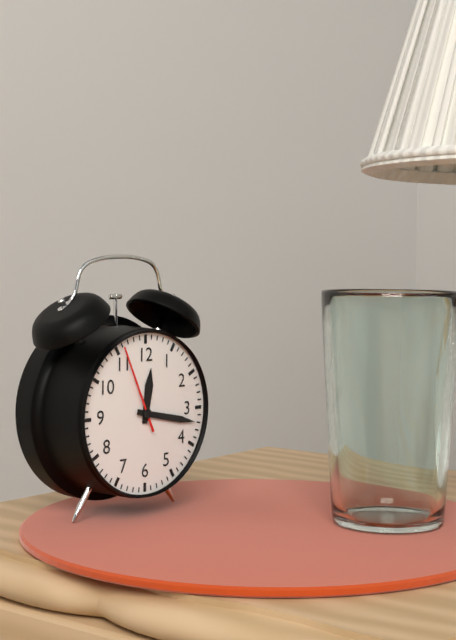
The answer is 12.17.56
